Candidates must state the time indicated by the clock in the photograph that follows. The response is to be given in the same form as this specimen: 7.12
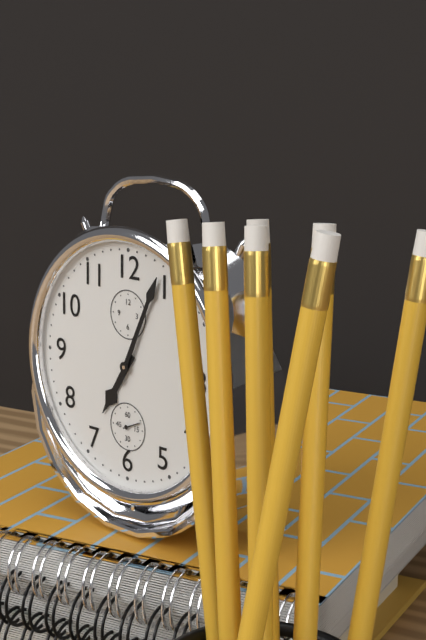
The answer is 7.04
